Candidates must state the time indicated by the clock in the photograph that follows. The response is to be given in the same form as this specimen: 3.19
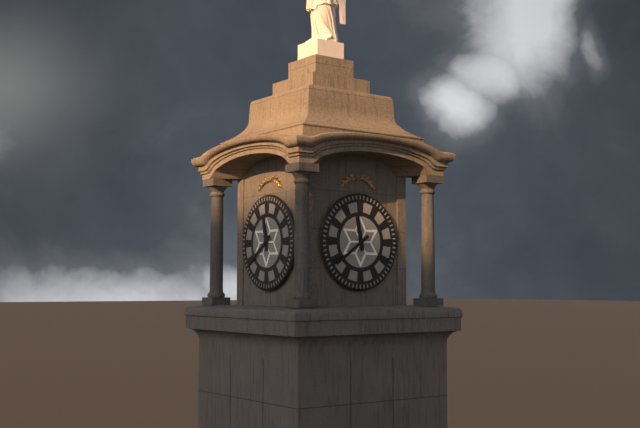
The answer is 11.39
